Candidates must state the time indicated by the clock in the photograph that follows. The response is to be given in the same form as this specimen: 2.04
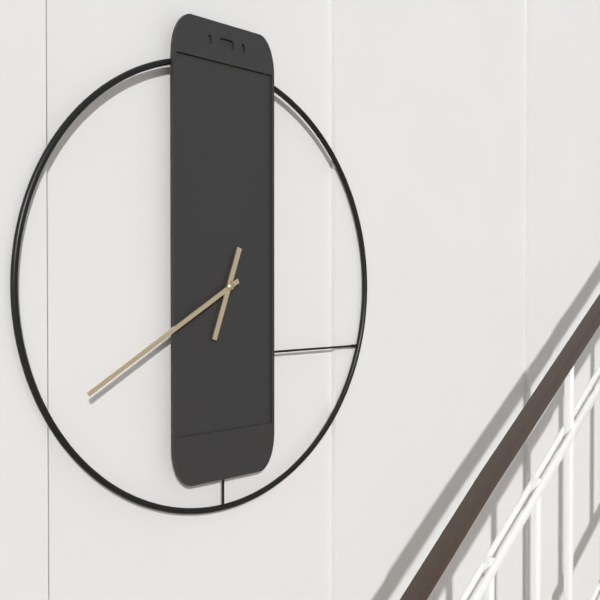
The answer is 6.40
